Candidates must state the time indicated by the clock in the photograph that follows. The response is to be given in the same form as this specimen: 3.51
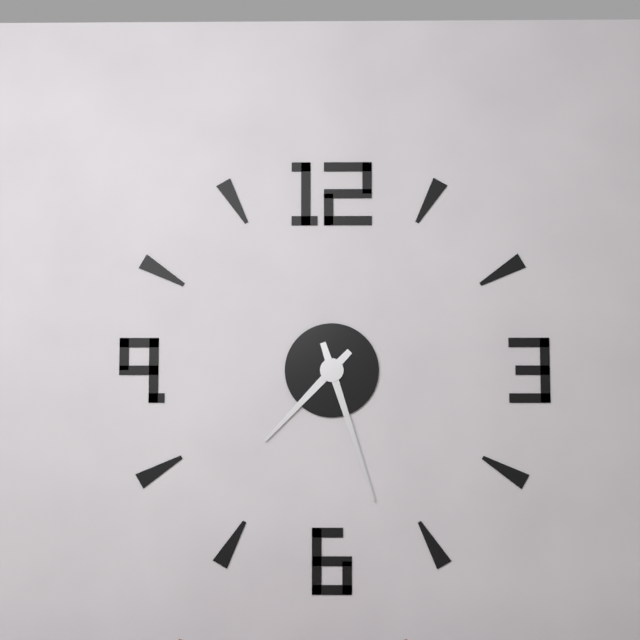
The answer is 7.27
